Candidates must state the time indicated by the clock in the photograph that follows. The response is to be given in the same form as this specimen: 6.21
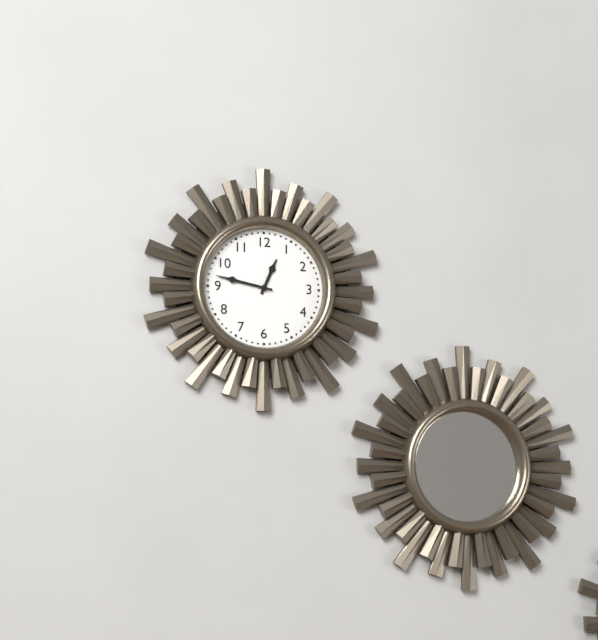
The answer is 12.47
